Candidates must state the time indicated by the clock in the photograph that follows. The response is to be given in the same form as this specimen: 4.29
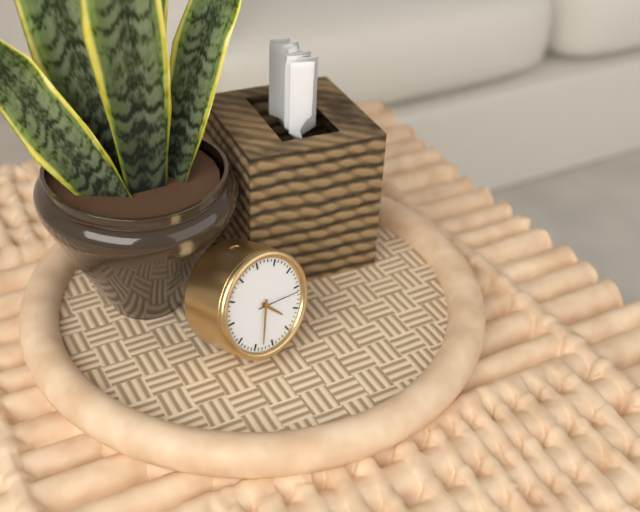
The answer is 4.33
